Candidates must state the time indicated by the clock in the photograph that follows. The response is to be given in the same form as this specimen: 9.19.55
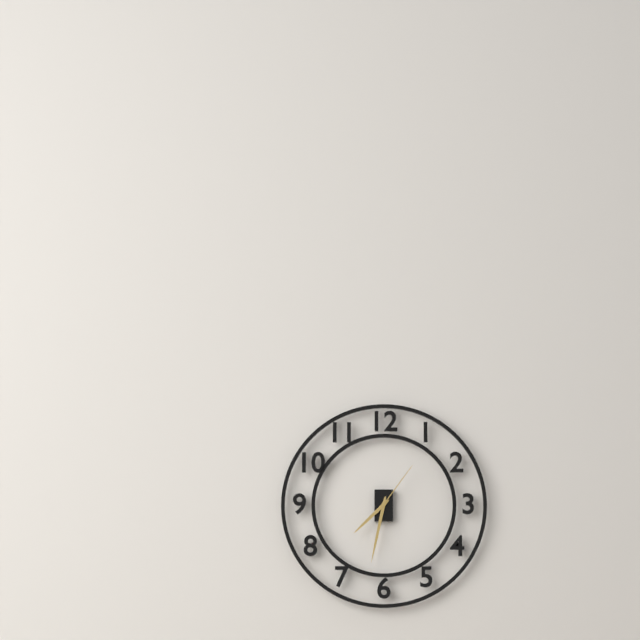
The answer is 7.32.06
